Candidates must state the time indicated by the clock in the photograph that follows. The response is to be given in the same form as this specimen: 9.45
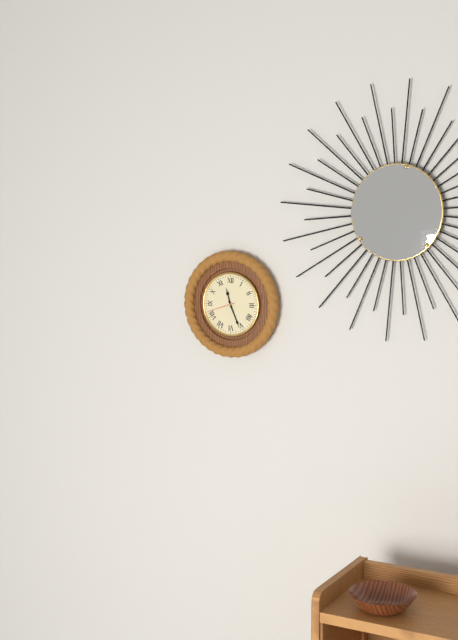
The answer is 11.26
